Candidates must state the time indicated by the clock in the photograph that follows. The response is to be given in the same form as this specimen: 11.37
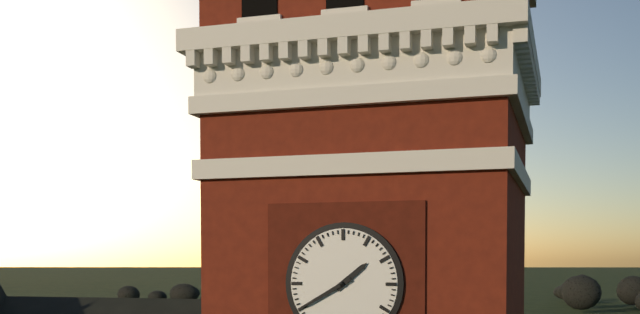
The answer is 1.40
